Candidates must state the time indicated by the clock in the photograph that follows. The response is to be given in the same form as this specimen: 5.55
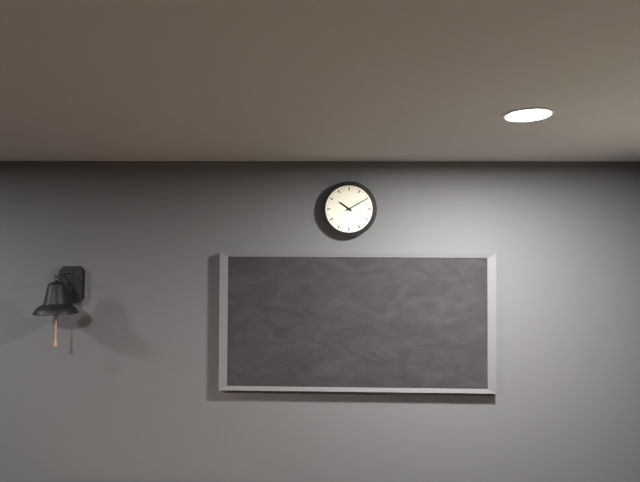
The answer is 10.10
